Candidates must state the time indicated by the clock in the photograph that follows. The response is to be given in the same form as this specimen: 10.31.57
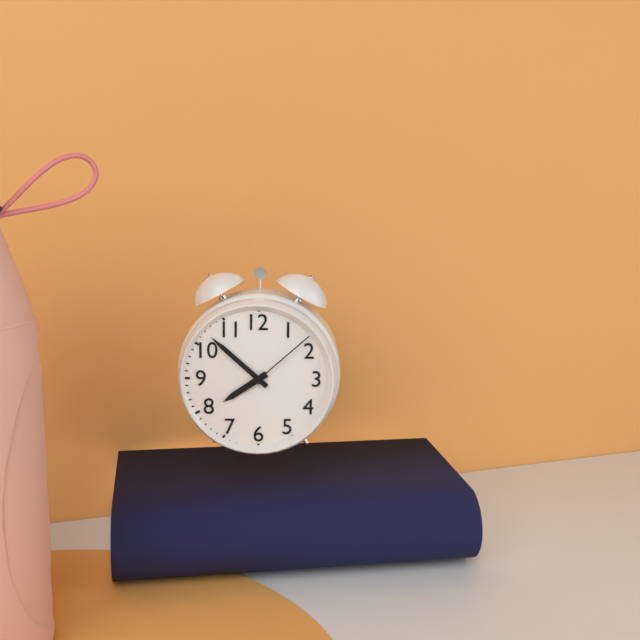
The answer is 7.52.08
